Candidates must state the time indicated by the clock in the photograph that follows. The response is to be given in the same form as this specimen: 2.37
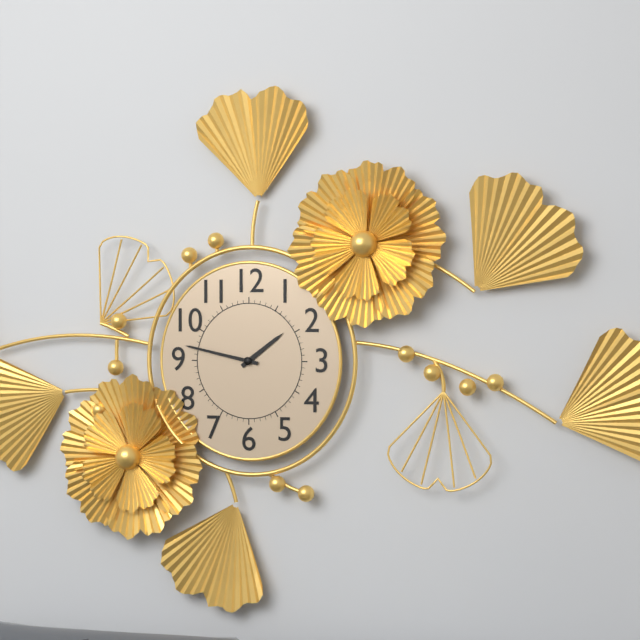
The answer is 1.47
